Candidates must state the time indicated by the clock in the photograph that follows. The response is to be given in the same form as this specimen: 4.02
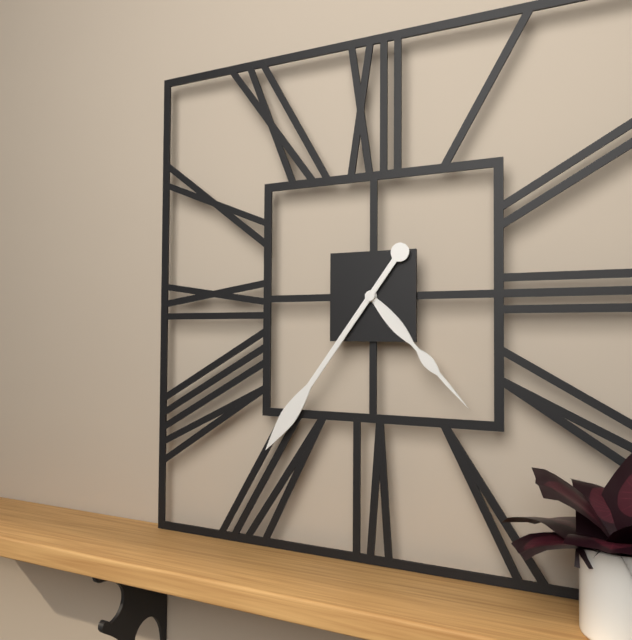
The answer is 4.36
